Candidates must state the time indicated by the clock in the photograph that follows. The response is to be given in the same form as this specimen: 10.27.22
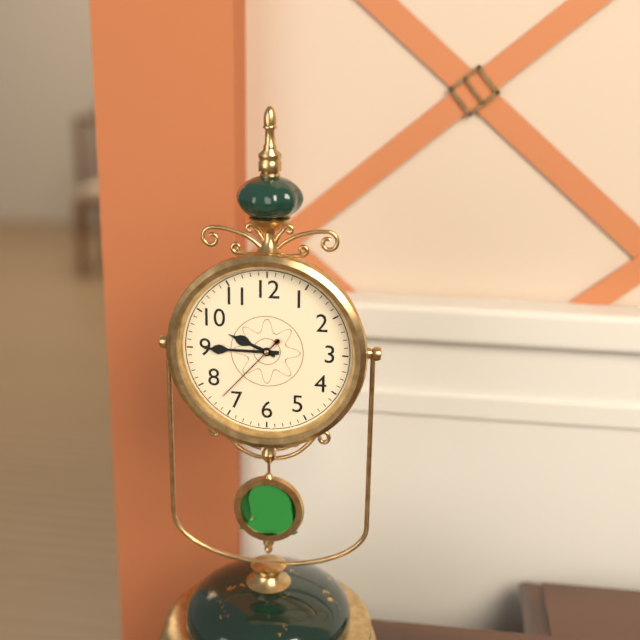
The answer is 9.45.37
